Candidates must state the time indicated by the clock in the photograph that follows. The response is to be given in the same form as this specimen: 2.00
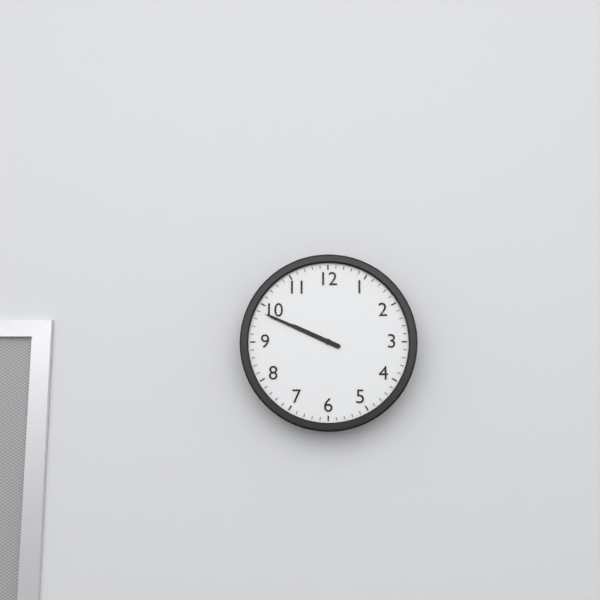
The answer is 9.49
